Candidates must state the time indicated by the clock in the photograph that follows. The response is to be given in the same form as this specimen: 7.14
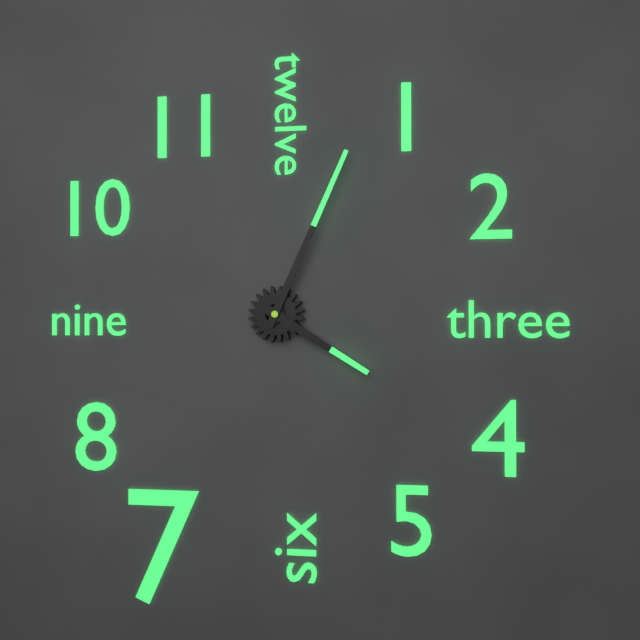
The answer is 4.04
